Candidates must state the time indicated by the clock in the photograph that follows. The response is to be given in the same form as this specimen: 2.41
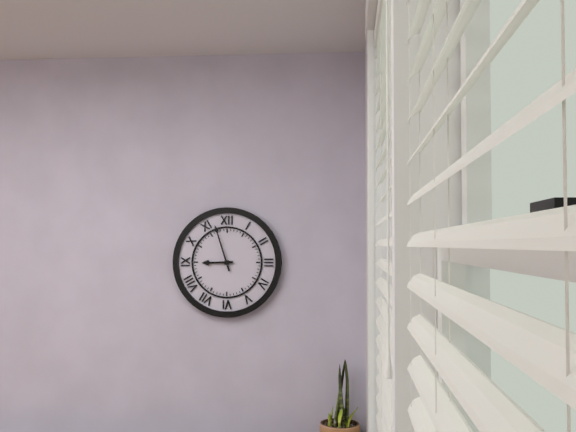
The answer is 8.57
